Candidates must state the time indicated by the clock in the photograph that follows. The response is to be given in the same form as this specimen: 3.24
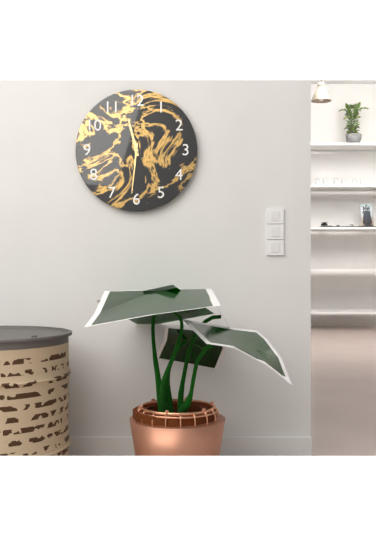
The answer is 11.31
